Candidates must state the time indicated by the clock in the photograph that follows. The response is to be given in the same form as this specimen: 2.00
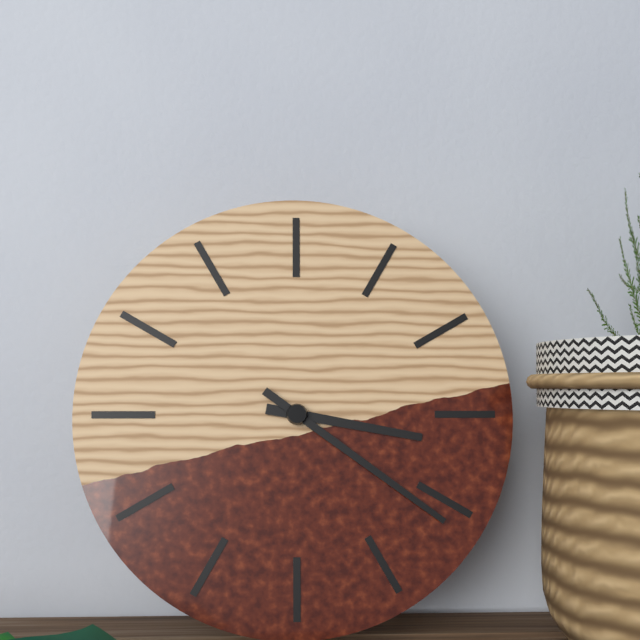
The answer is 3.21
